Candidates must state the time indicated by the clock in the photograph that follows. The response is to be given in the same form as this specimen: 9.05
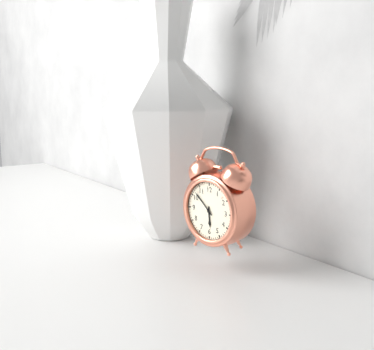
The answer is 5.52
